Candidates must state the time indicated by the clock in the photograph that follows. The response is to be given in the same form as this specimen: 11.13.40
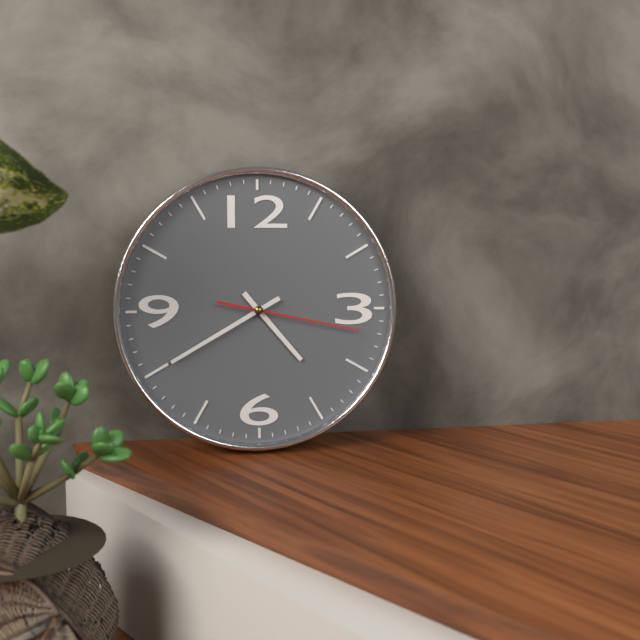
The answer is 4.40.17
